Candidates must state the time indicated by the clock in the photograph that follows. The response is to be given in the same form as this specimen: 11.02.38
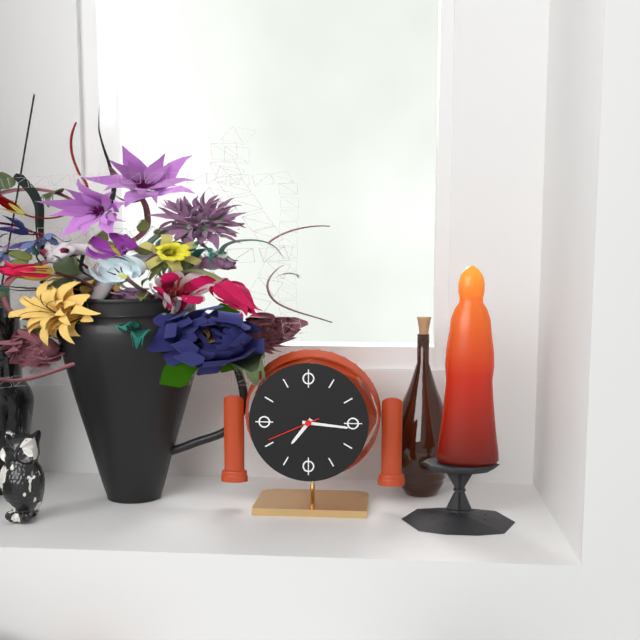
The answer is 7.16.41
